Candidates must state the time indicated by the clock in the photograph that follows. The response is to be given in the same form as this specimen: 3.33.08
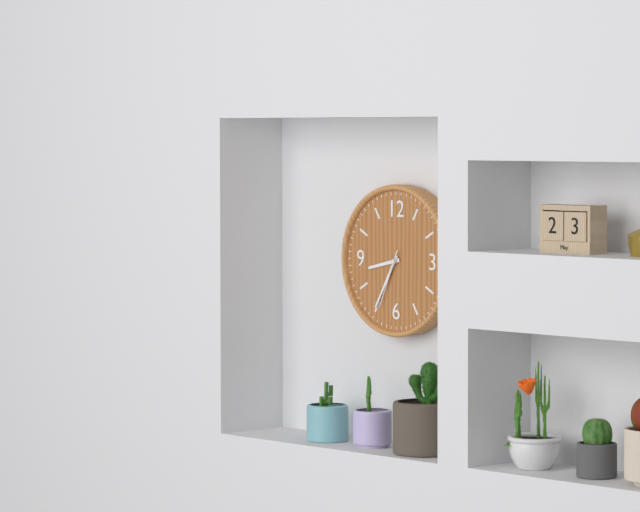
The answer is 8.35.34
